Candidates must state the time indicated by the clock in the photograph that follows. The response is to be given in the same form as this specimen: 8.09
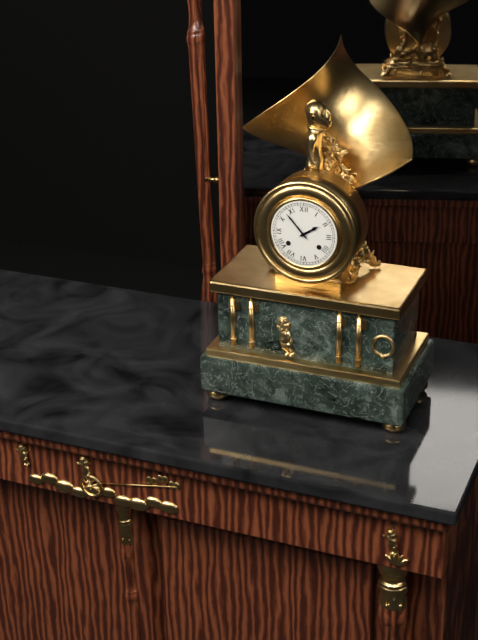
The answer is 1.53
